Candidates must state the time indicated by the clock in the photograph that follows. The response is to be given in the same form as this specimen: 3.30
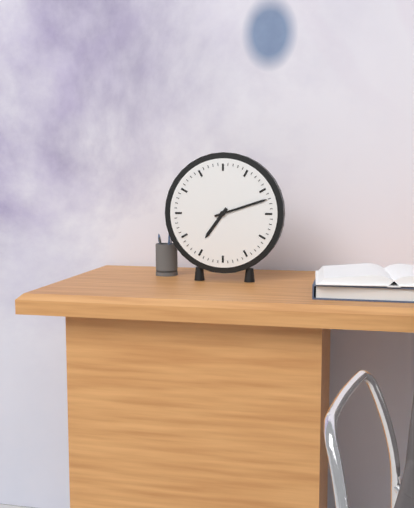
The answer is 7.12
